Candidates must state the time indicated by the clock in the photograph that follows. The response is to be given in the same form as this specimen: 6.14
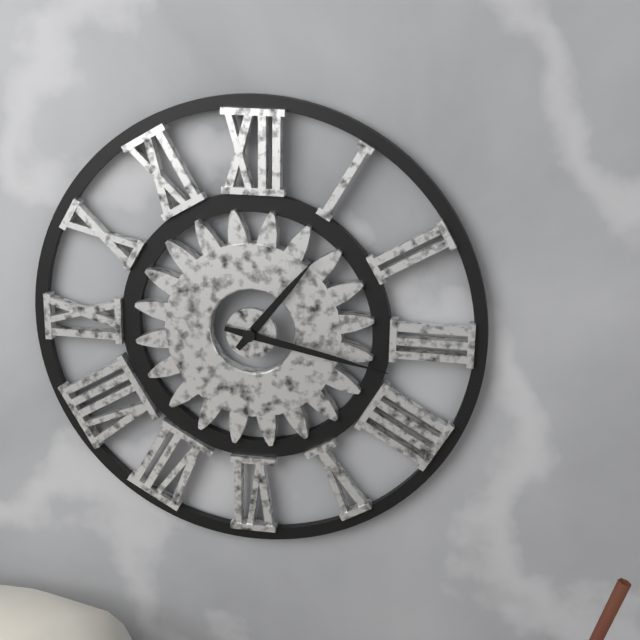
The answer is 1.17
